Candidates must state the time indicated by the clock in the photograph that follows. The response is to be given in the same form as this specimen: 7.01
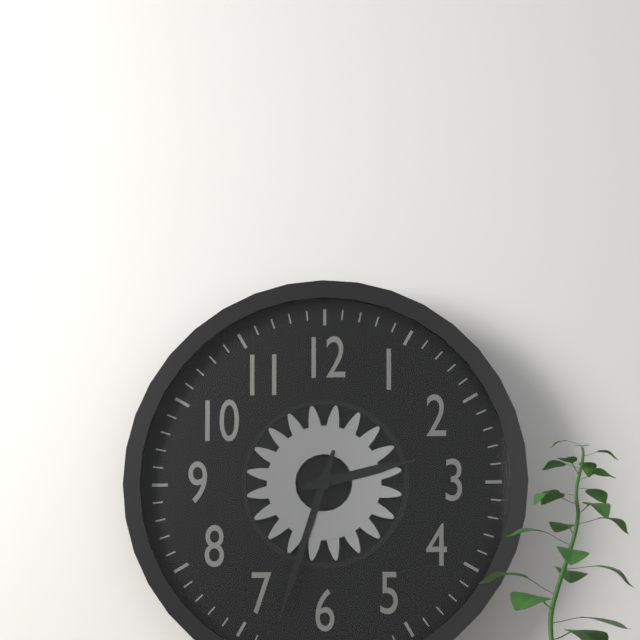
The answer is 2.33
